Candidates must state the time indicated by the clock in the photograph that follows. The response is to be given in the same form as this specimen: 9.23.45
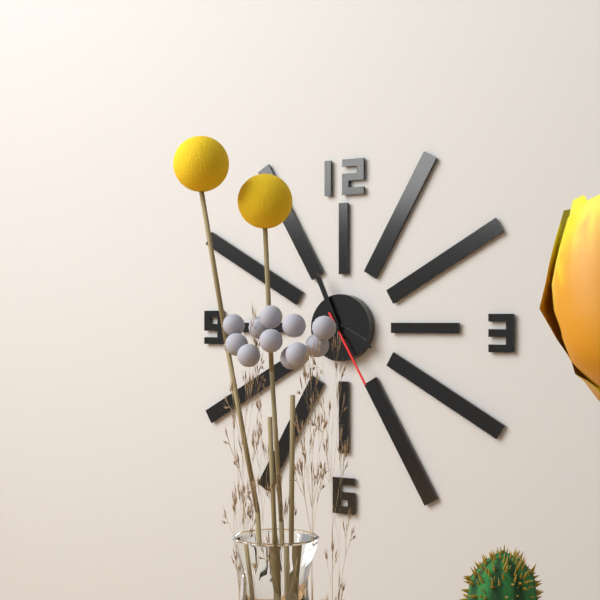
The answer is 3.56.25
